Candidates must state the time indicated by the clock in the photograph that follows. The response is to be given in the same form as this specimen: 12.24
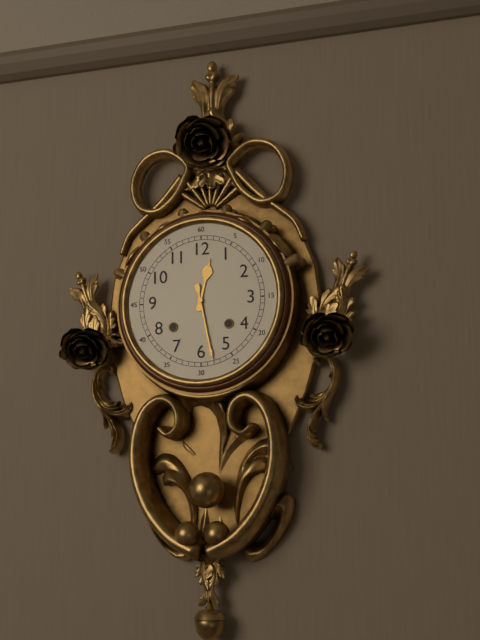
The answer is 12.28
